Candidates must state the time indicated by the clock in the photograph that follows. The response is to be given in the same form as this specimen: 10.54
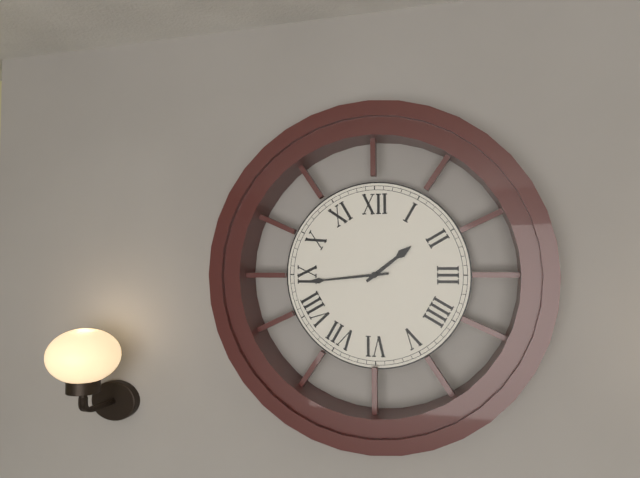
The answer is 1.44
